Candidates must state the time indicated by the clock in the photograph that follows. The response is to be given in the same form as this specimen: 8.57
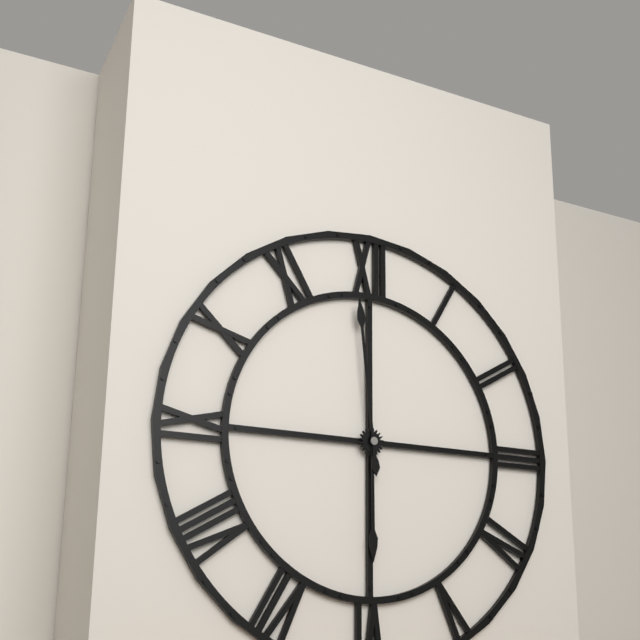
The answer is 5.59
